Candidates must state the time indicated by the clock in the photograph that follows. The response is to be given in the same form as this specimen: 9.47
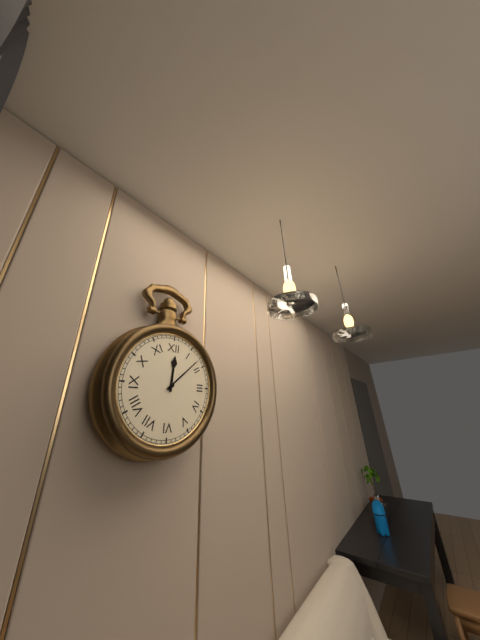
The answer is 12.08
